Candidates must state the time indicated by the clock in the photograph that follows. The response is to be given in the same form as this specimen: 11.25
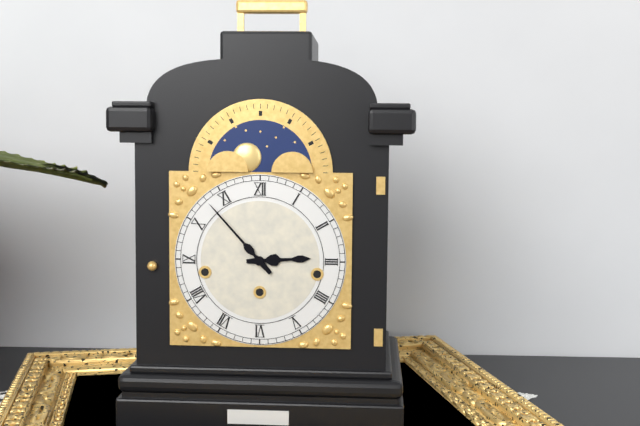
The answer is 2.53
